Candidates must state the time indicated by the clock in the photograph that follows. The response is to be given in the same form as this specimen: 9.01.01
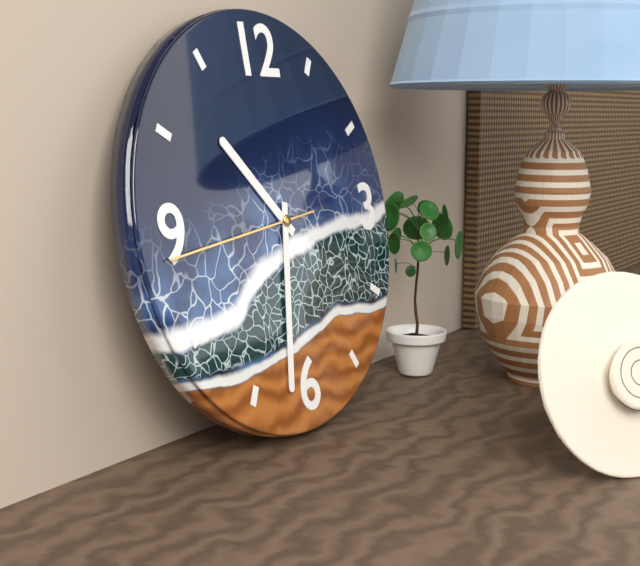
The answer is 10.32.44
